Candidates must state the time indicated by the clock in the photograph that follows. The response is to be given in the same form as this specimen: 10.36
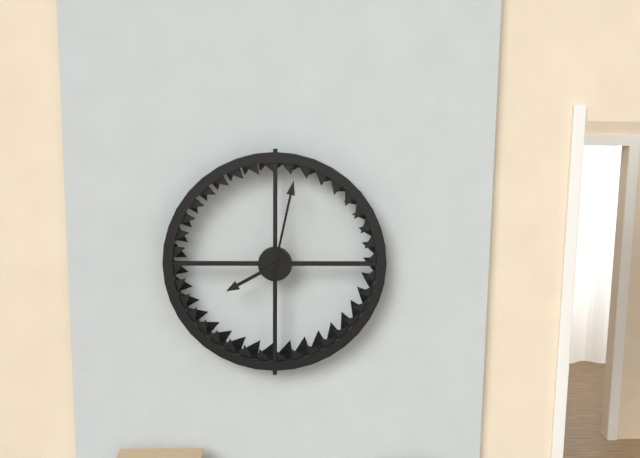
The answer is 8.02
